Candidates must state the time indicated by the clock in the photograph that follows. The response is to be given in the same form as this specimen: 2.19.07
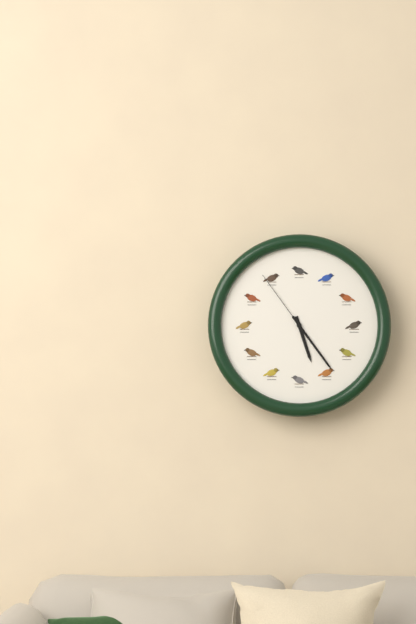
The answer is 5.24.54
